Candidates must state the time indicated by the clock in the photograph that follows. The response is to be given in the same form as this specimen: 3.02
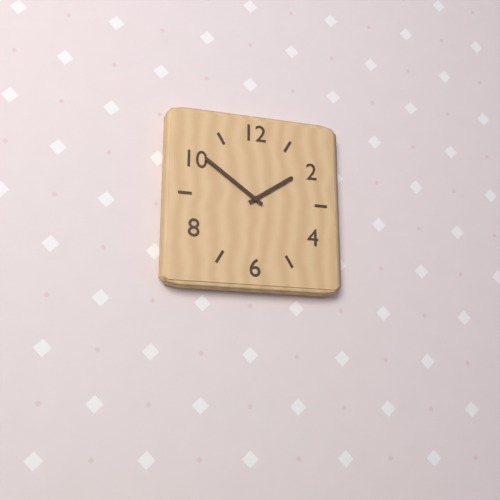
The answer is 1.51
